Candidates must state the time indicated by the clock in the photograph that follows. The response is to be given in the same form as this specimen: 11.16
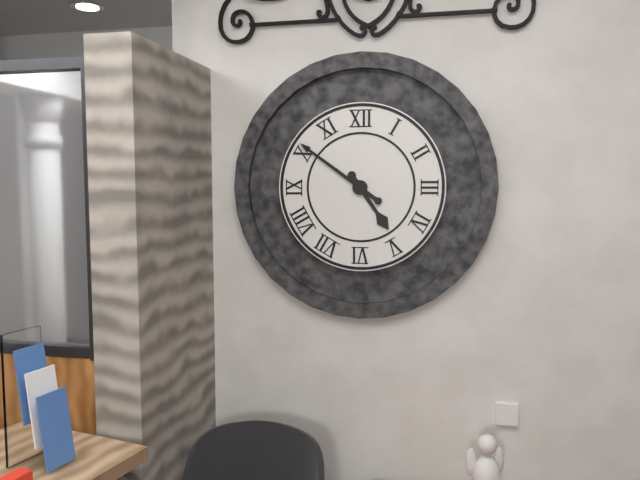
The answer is 4.51
